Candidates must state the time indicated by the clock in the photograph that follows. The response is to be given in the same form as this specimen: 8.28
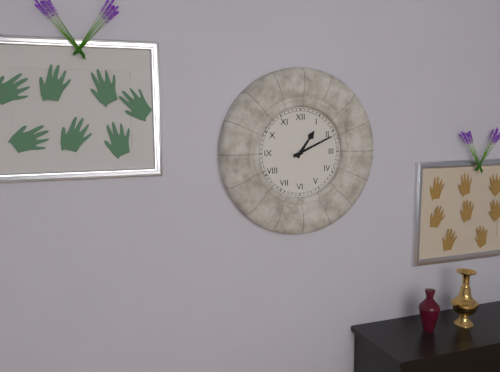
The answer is 1.11
